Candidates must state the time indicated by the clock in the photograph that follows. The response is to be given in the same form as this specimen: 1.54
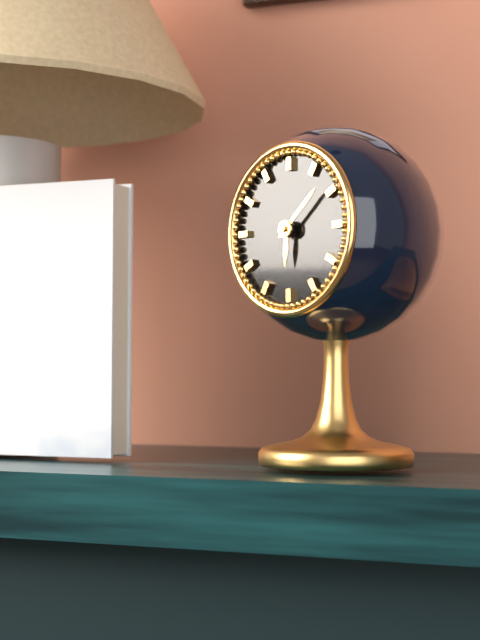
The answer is 6.08
